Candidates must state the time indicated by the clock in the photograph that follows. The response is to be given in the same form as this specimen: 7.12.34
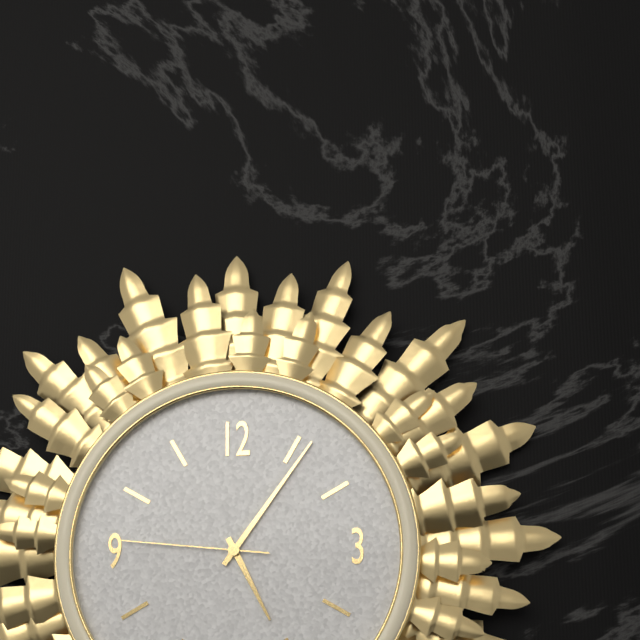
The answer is 5.06.46
